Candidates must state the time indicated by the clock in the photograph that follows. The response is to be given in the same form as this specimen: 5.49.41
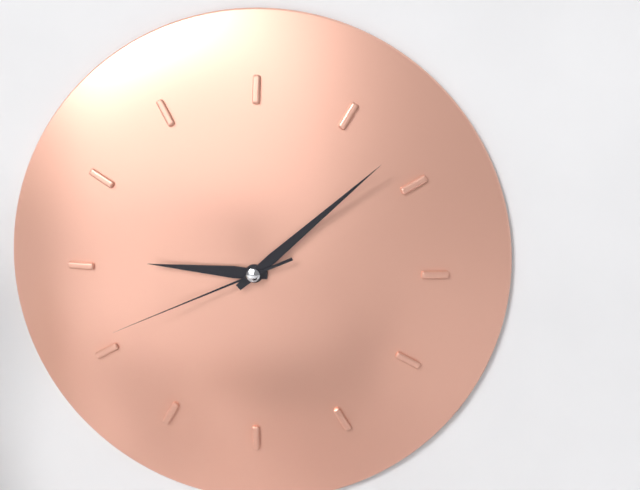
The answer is 9.08.41
